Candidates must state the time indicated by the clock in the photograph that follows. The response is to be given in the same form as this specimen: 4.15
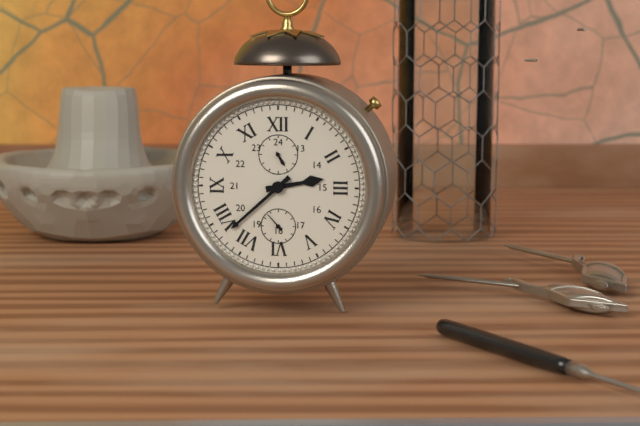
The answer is 2.38
